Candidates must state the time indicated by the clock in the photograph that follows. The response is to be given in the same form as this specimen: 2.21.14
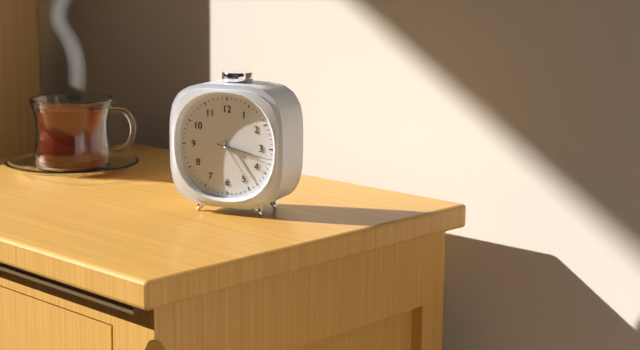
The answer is 3.24.17
